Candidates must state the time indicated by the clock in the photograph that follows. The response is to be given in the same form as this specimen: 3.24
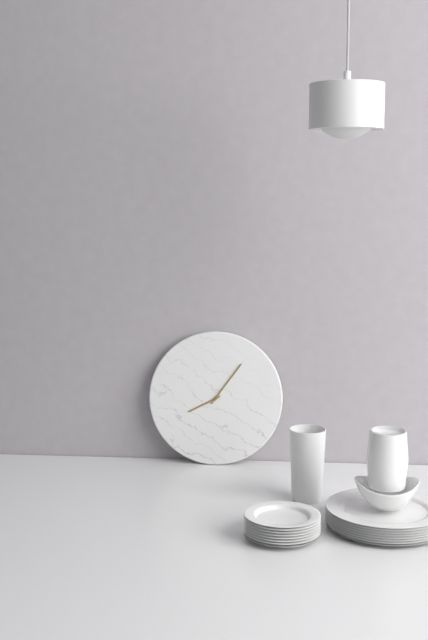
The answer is 8.06
